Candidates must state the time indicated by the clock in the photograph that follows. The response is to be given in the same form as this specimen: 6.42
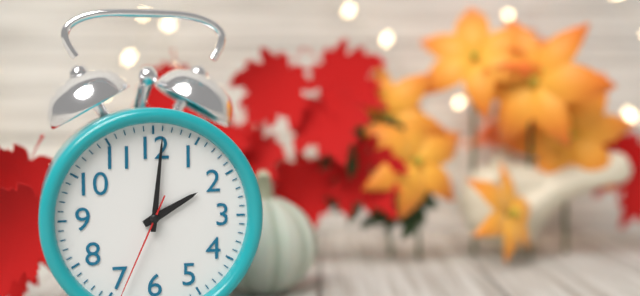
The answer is 2.01
